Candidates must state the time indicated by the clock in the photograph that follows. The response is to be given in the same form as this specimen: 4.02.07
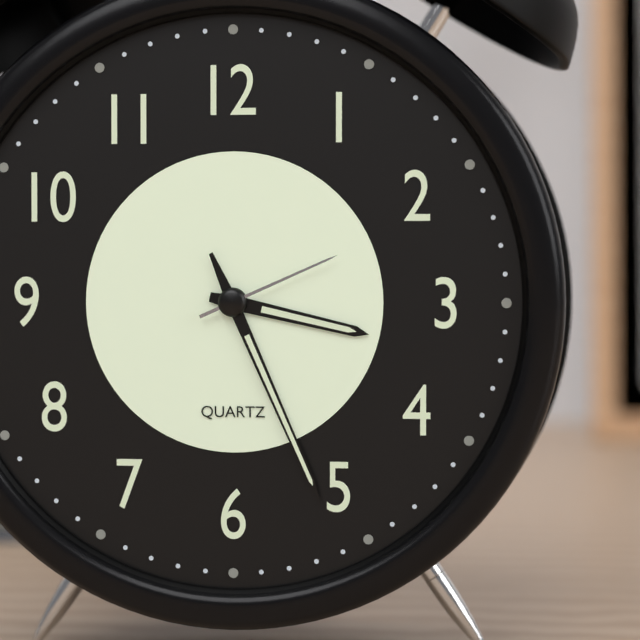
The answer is 3.26.11
